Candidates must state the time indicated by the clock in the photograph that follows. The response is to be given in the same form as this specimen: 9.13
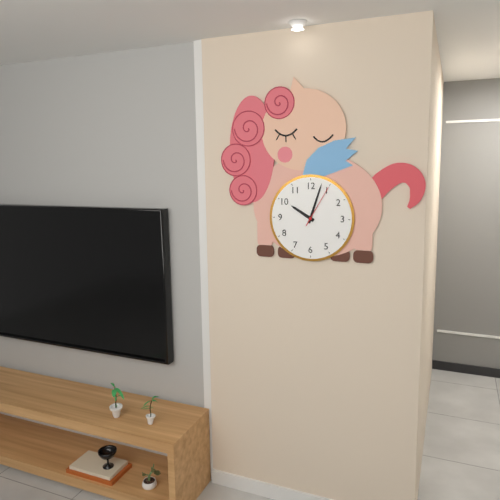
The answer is 10.03
